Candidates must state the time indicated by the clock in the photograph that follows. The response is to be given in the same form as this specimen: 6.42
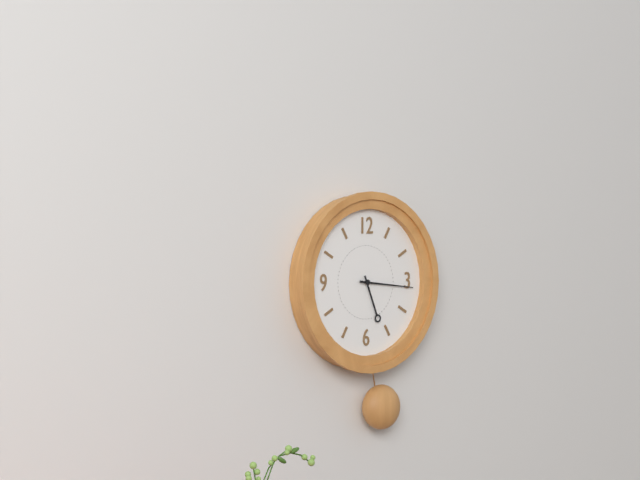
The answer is 5.16
